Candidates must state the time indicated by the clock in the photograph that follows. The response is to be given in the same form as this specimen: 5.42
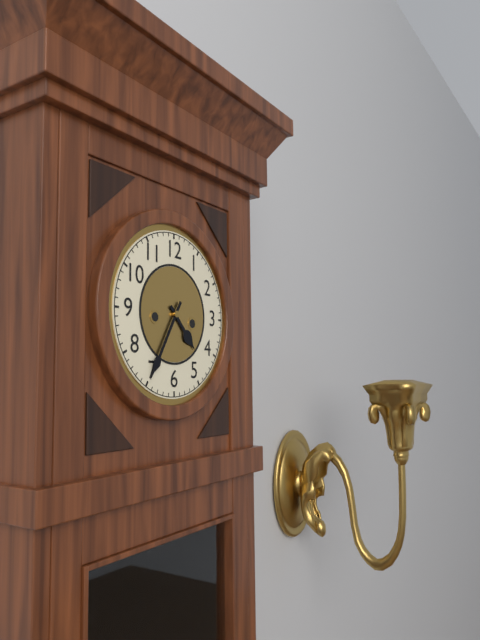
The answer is 4.35
